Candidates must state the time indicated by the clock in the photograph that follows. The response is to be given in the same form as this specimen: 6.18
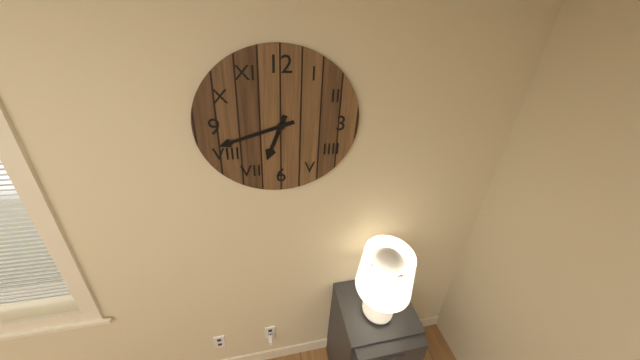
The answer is 6.42
